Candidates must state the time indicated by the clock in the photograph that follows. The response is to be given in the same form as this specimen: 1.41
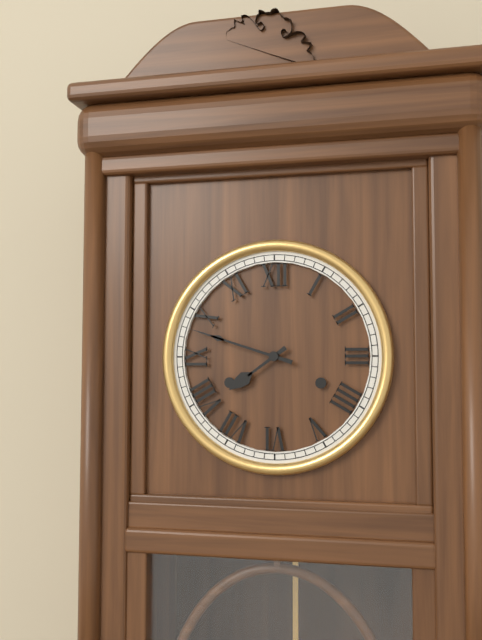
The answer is 7.48
